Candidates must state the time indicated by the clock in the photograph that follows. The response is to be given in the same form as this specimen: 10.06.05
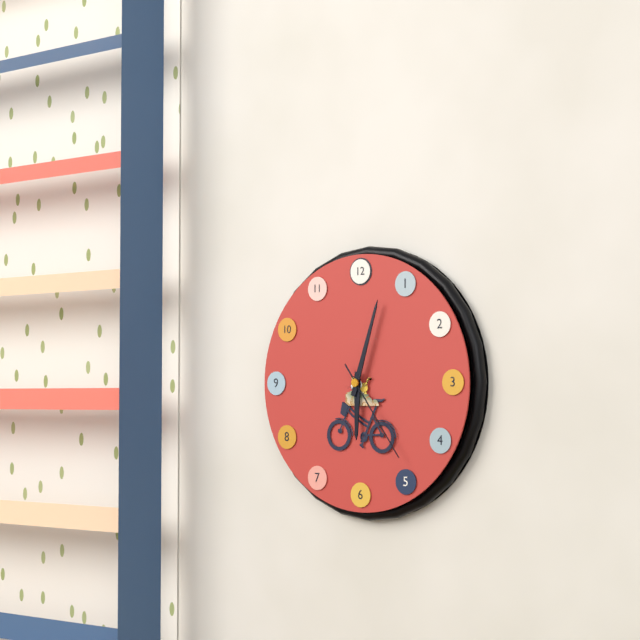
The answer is 6.03.24
